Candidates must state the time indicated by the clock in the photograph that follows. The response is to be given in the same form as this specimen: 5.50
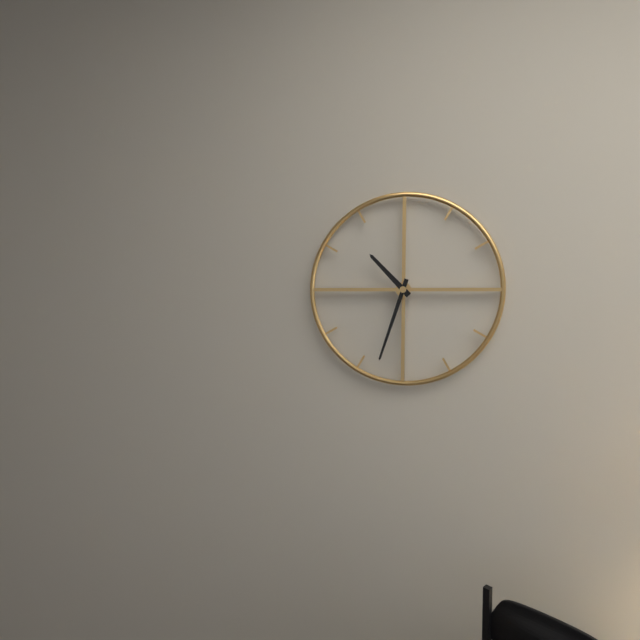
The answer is 10.33
